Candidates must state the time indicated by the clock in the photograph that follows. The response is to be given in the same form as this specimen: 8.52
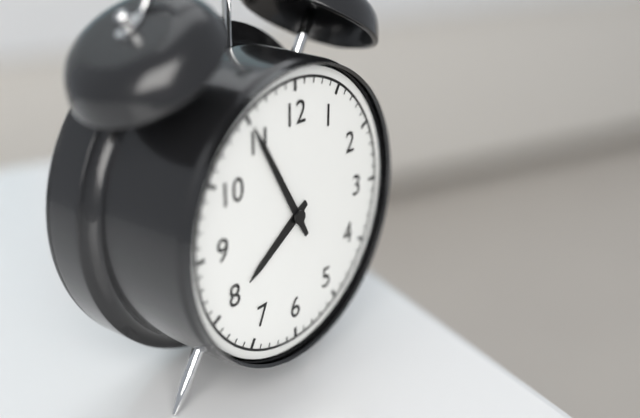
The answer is 7.55
